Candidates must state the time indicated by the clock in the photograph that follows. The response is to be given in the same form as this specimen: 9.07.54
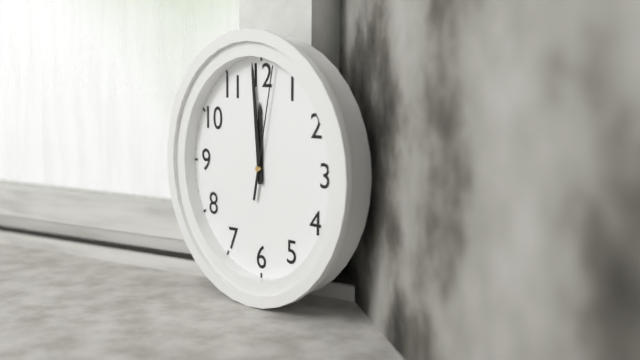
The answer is 11.59.02
